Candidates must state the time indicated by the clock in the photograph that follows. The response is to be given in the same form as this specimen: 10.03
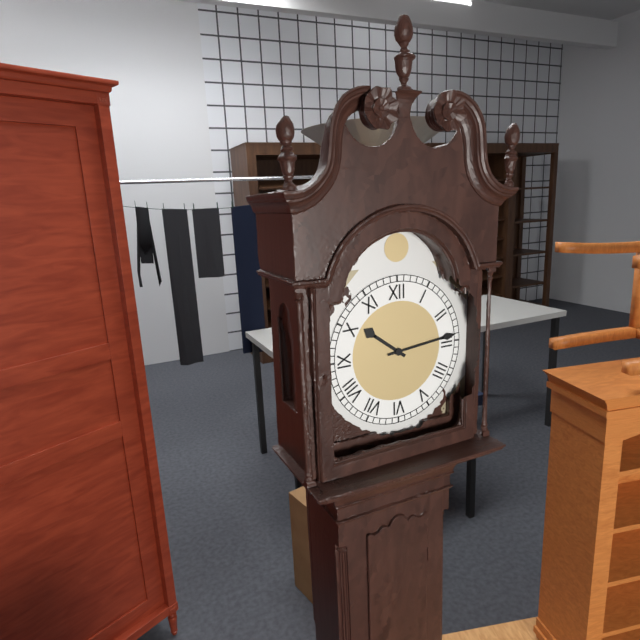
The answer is 10.14
